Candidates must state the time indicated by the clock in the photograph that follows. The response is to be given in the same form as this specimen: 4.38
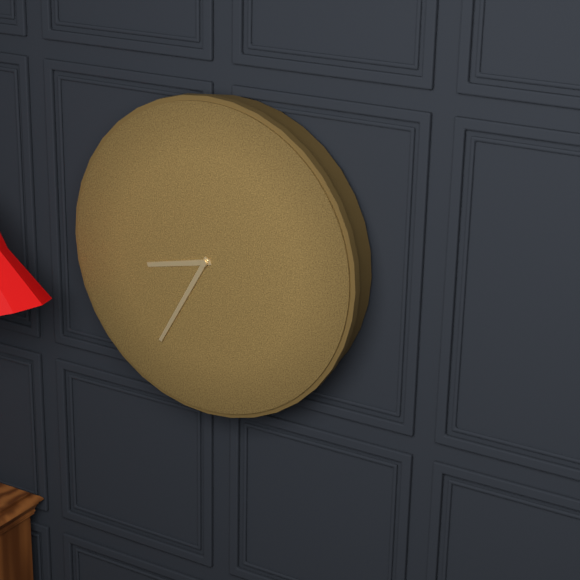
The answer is 8.35
